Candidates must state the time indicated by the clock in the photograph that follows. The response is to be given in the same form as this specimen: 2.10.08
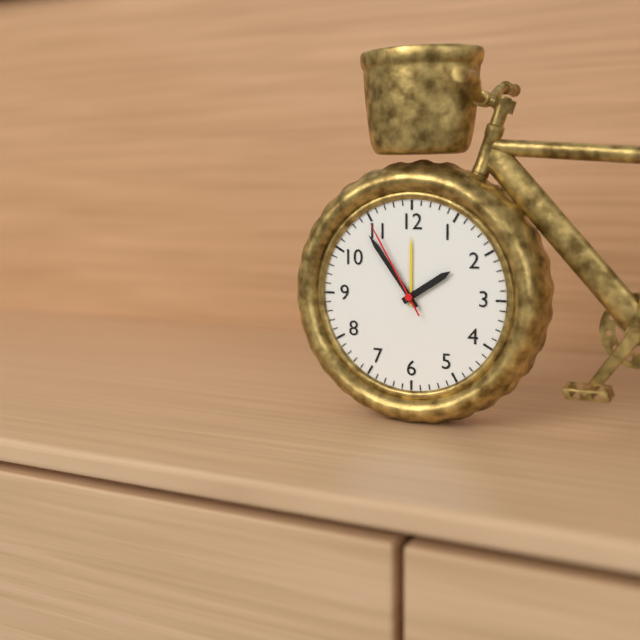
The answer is 1.54.55
